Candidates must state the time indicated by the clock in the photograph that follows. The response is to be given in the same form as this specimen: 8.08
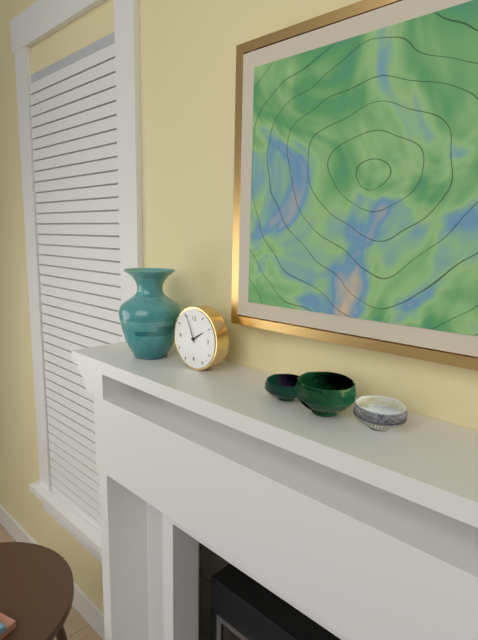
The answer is 1.56
